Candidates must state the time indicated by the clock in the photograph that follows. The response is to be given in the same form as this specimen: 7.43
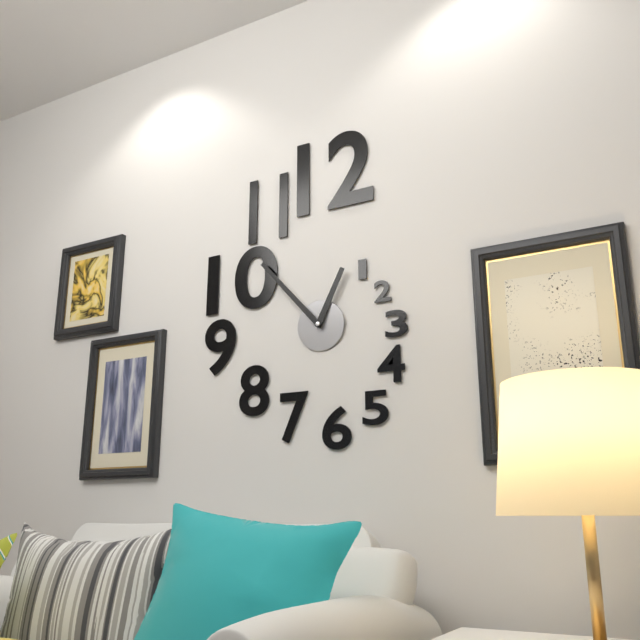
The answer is 12.53
